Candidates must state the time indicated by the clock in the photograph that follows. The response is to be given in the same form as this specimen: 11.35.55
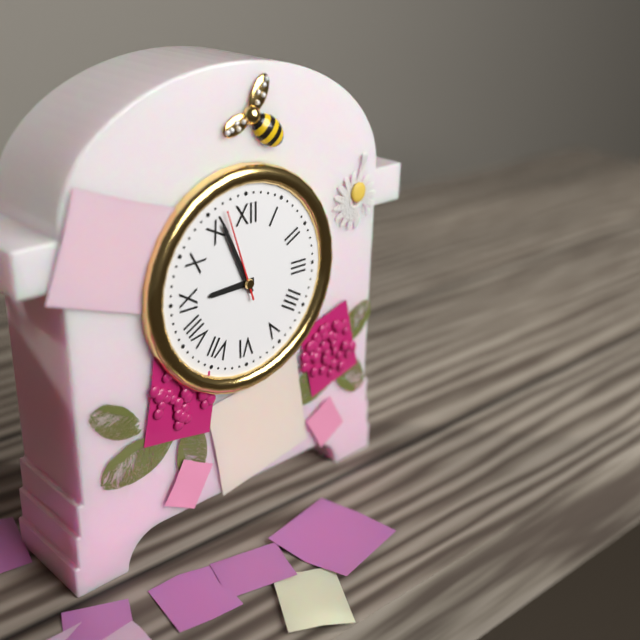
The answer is 8.56.57
